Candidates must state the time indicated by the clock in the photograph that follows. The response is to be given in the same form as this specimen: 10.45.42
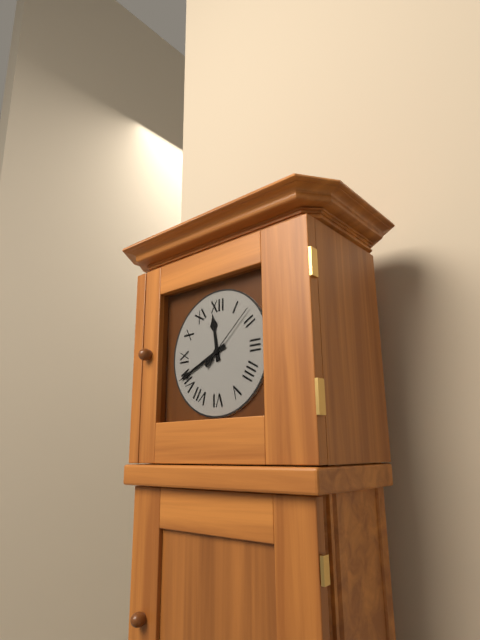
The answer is 11.41.08
